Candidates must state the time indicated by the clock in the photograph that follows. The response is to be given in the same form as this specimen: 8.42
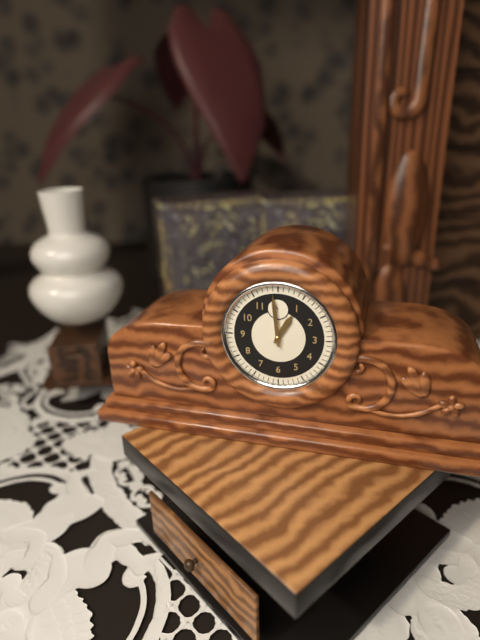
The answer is 12.59
